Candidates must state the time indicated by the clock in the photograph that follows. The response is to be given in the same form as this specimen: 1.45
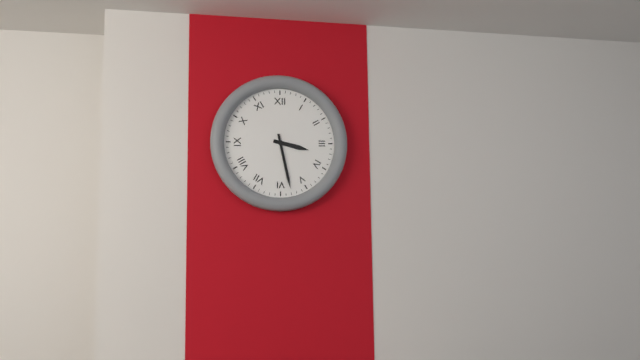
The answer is 3.28
